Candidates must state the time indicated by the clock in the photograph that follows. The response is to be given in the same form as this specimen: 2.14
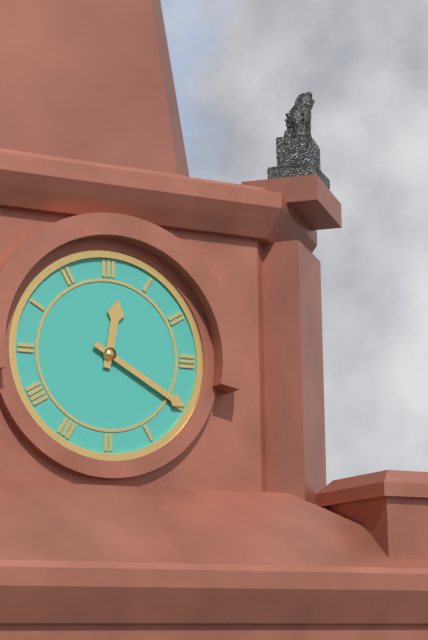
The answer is 12.20
